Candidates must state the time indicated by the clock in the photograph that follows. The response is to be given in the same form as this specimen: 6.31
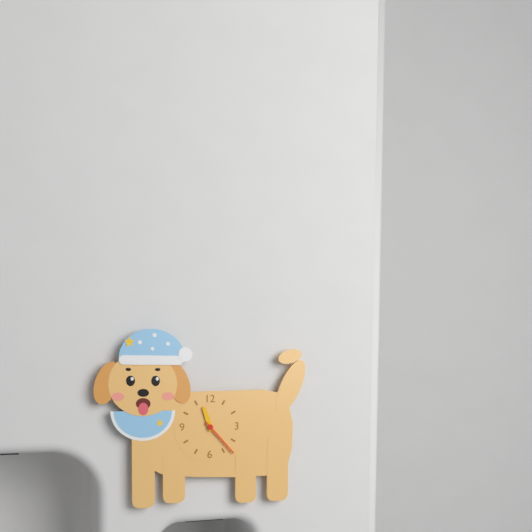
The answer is 11.23
